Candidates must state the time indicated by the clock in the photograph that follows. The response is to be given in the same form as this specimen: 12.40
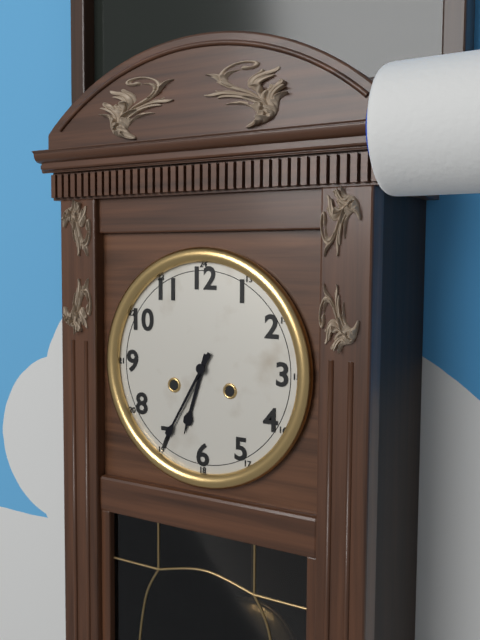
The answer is 6.35
